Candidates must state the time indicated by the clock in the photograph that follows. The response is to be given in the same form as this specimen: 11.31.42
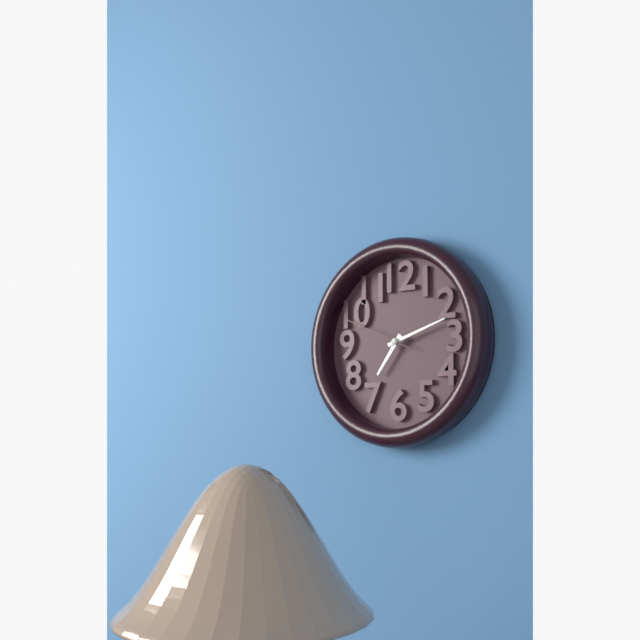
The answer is 7.12.49
